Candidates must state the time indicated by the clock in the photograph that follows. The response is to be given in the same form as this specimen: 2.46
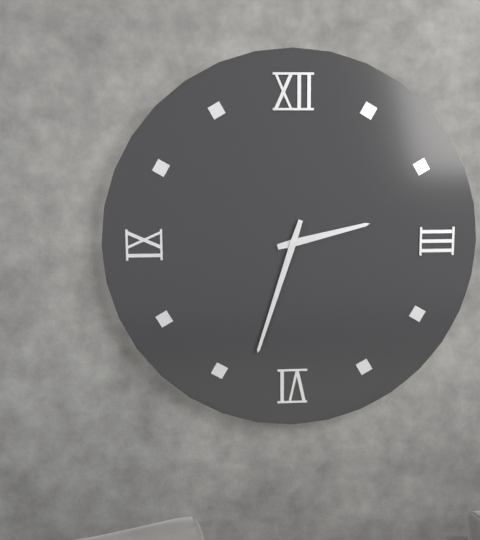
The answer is 2.33
